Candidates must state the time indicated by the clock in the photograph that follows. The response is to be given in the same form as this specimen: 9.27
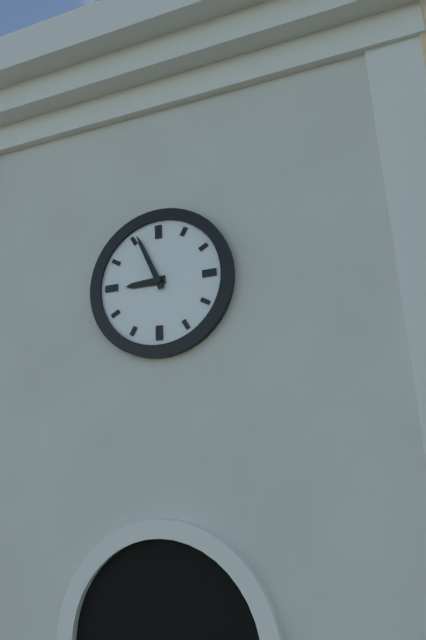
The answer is 8.56
